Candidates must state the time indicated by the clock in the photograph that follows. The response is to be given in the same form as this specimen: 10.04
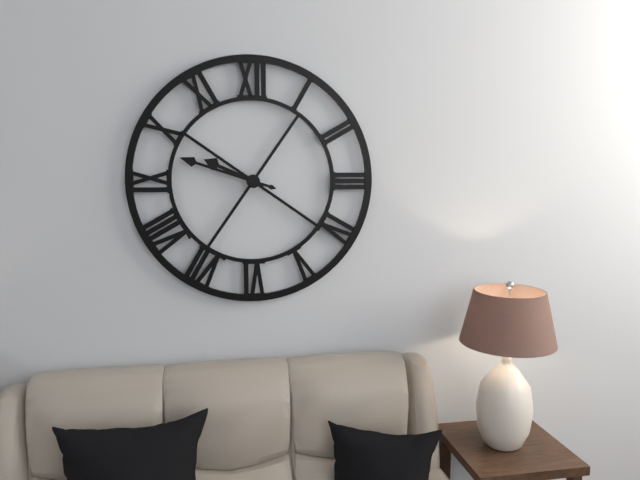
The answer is 9.48
